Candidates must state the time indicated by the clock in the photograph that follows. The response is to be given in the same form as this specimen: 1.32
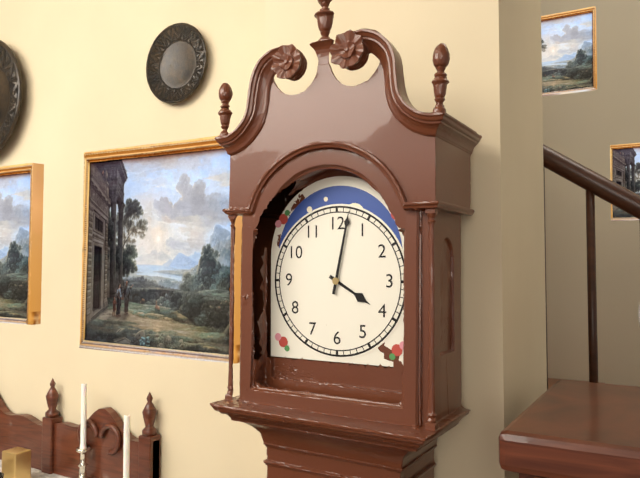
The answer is 4.02
